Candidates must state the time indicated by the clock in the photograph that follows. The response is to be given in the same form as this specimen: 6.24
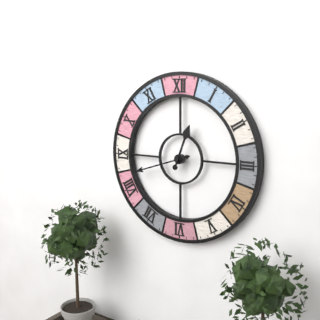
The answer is 12.42
